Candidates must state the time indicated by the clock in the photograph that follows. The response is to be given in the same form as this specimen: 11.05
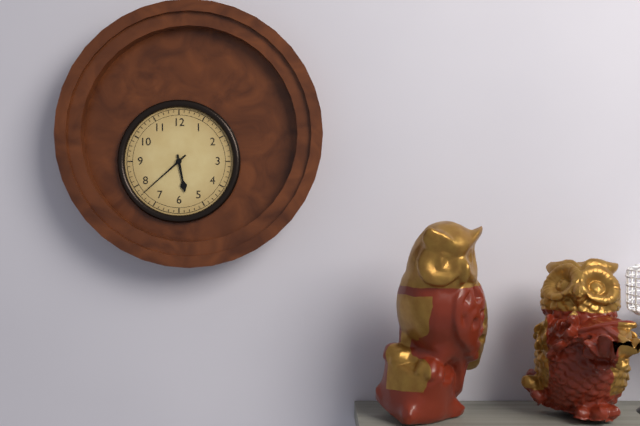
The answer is 5.38
